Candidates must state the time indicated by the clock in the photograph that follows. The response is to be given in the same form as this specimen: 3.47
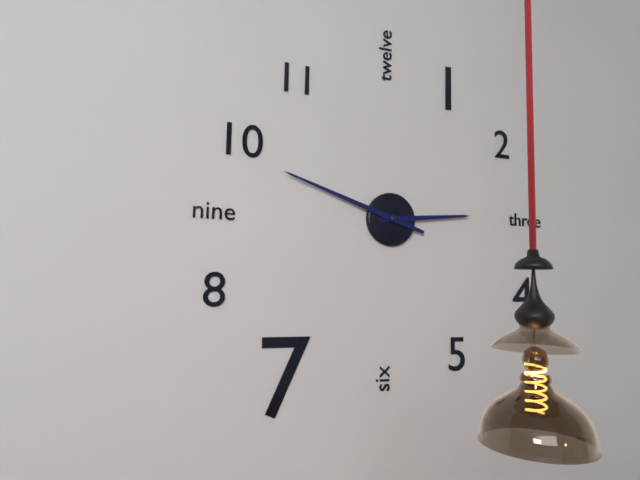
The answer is 2.48
